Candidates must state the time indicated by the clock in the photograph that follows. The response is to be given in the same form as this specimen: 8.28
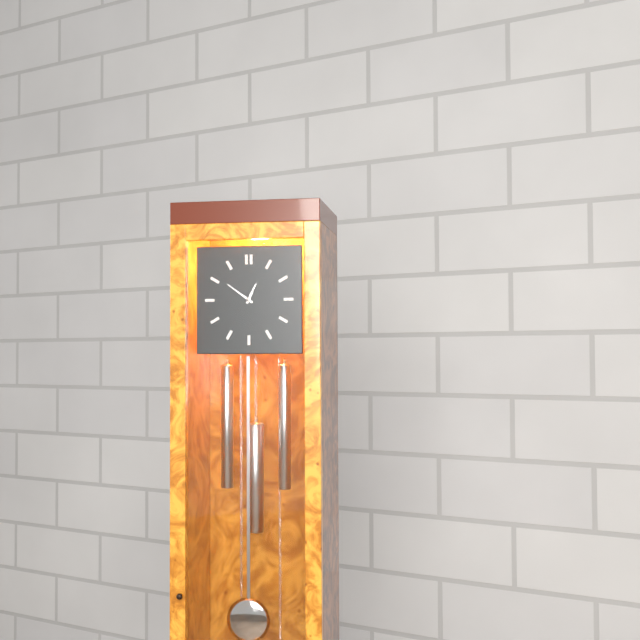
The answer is 12.51
